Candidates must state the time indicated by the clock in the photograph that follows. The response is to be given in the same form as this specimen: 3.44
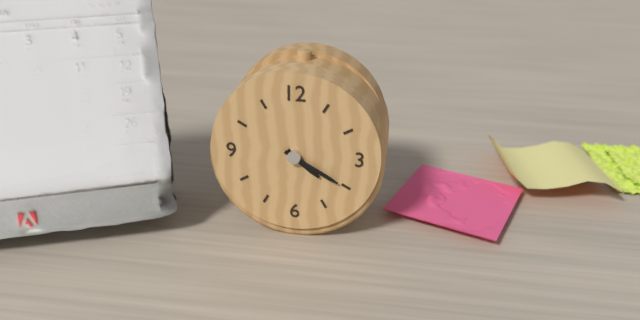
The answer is 4.20
